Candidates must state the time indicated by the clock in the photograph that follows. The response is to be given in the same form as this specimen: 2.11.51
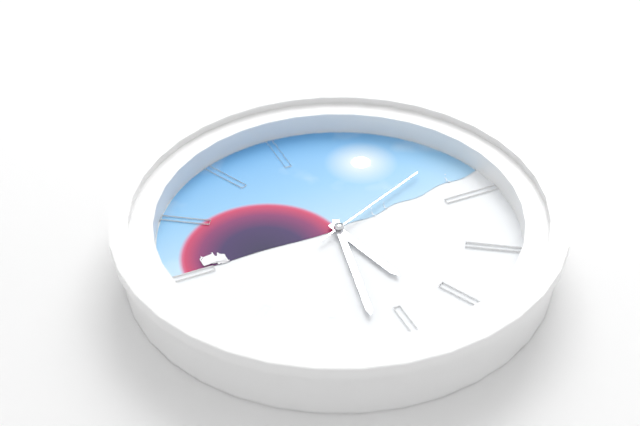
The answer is 5.32.11
